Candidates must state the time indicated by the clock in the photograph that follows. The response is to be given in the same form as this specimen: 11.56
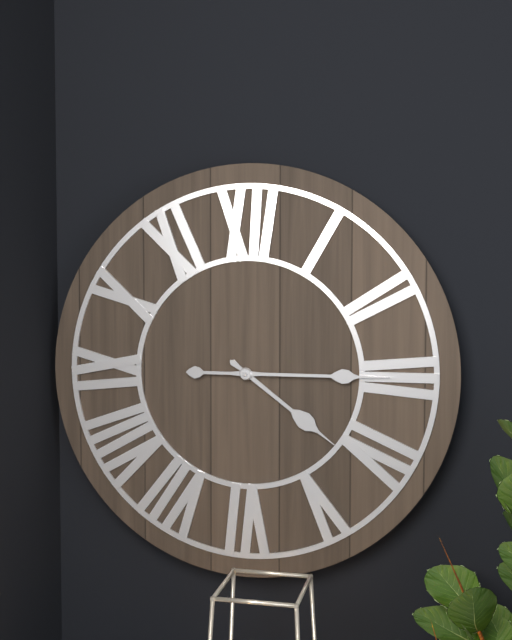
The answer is 4.15
